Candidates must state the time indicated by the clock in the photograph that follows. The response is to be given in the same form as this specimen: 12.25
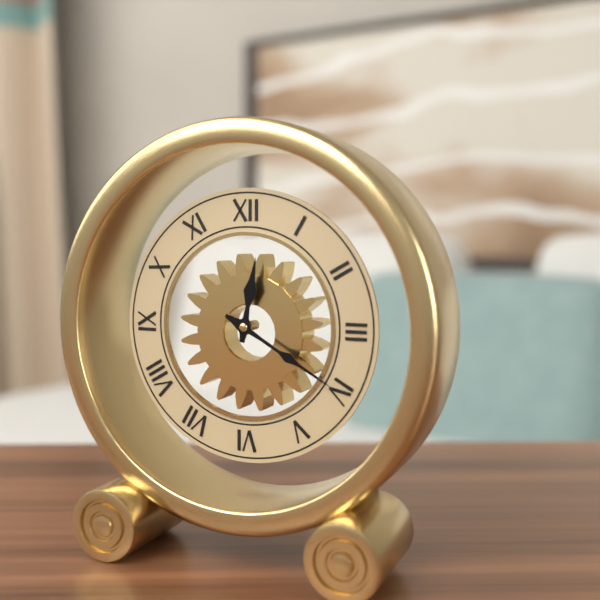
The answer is 12.20
